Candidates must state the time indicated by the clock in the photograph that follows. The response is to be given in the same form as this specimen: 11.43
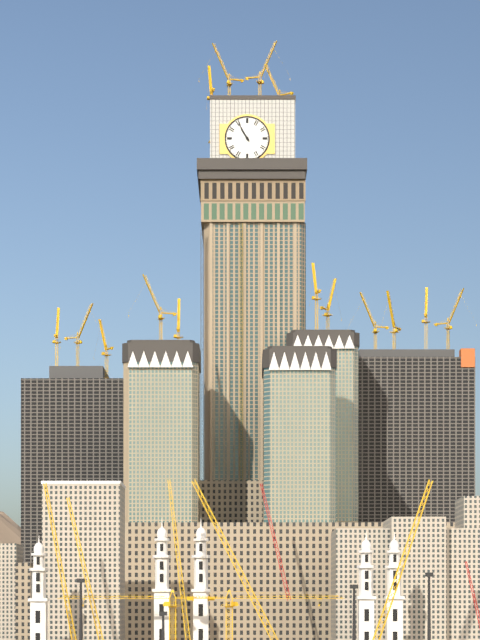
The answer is 10.55
